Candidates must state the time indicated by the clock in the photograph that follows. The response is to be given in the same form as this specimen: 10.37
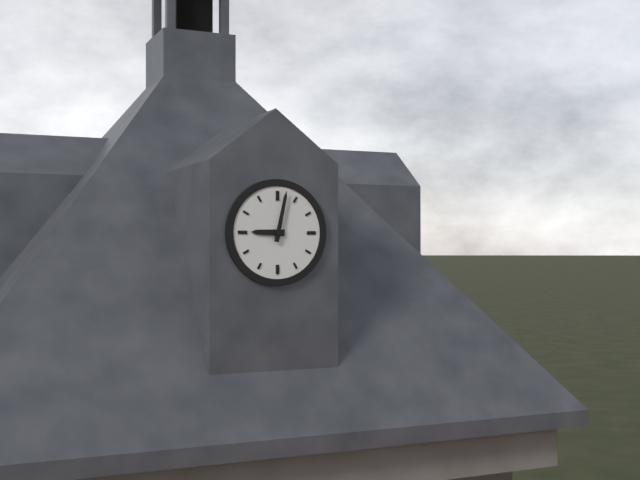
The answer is 9.02
